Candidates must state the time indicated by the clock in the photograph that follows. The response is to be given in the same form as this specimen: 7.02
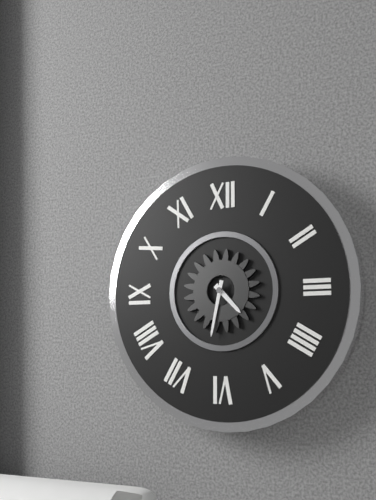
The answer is 4.32
